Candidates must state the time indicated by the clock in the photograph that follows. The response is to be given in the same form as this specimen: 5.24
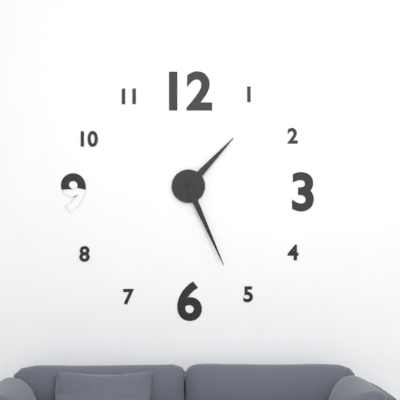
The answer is 1.26
